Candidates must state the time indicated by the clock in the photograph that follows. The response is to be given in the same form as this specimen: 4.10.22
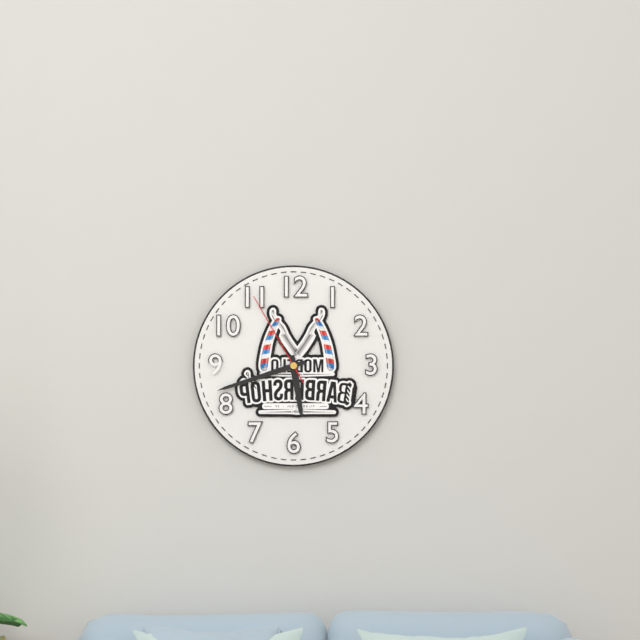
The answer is 5.42.55
